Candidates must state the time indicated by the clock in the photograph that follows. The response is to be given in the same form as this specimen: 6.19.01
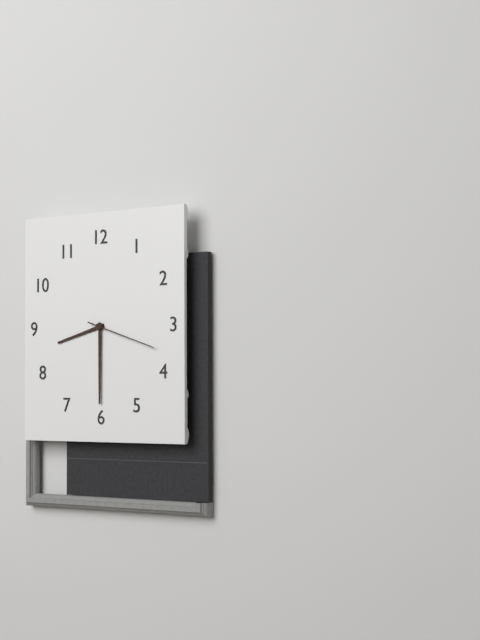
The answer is 8.30.18
